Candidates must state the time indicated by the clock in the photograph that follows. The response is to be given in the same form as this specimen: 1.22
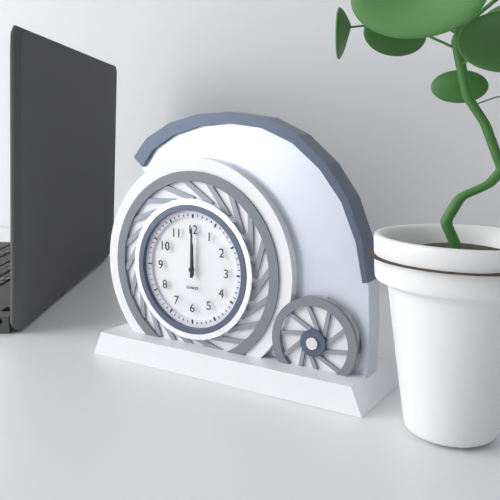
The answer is 12.00
